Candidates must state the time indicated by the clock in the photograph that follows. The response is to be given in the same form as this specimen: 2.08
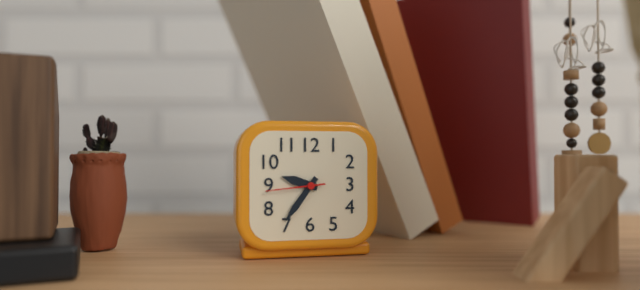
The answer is 9.36
